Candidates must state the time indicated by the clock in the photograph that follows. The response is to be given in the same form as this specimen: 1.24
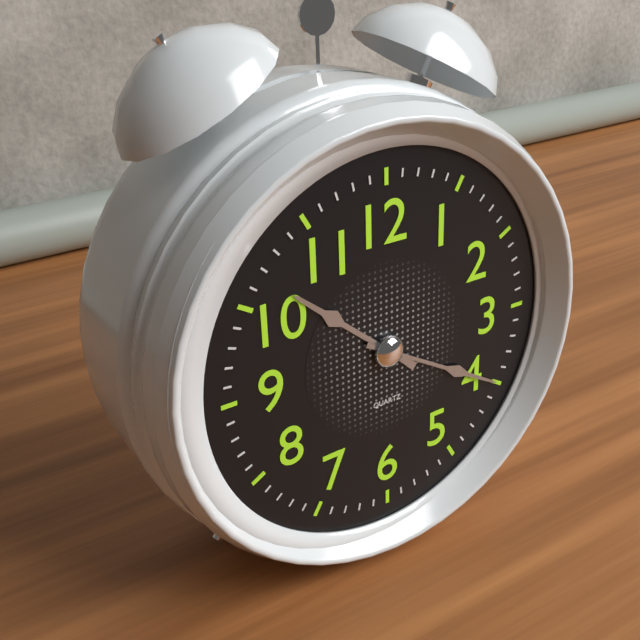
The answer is 10.20
